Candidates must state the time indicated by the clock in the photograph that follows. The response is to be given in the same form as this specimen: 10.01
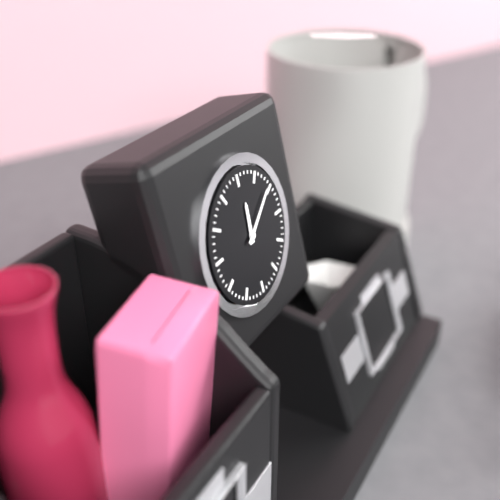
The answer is 12.09
